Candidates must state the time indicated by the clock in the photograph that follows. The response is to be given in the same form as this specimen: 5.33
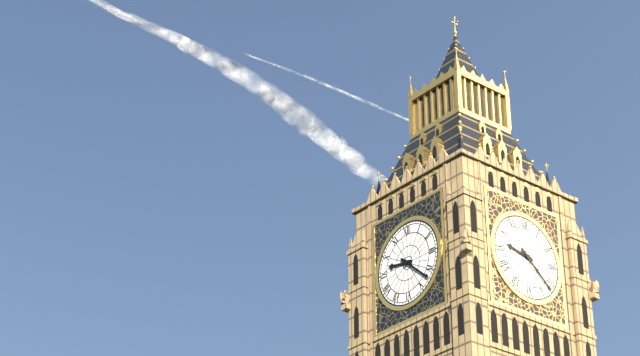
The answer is 9.22
